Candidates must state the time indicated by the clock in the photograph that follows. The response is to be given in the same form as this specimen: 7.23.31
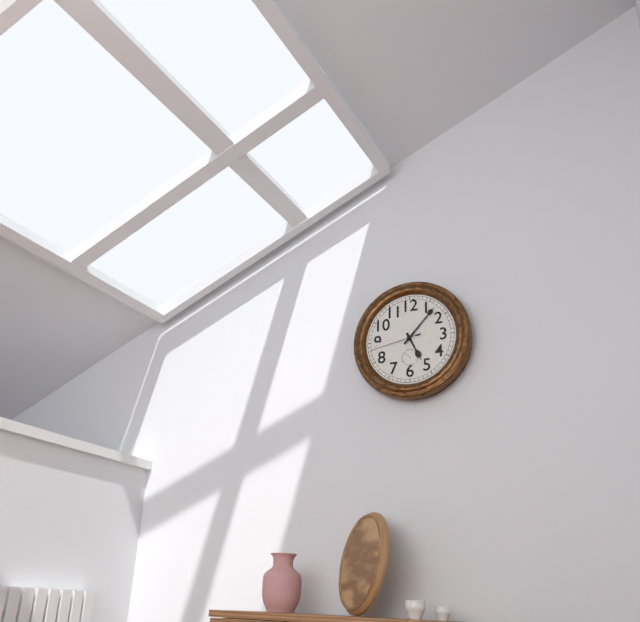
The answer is 5.07.43
